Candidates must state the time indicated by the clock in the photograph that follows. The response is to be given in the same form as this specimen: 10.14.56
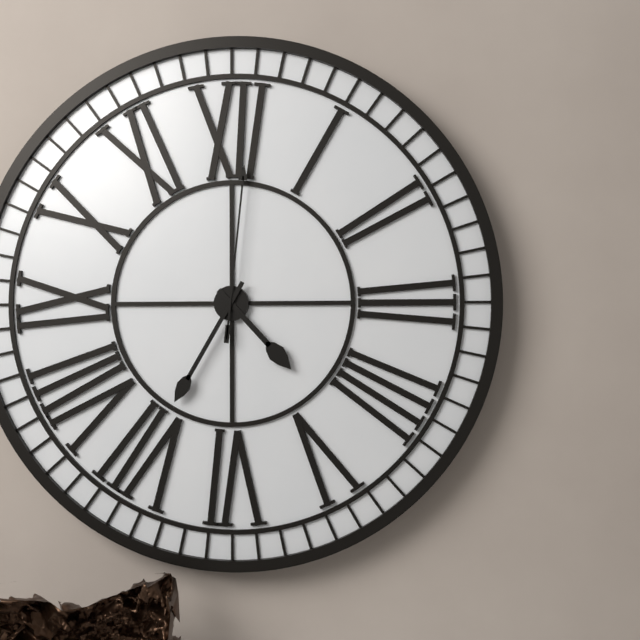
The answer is 4.35.01
